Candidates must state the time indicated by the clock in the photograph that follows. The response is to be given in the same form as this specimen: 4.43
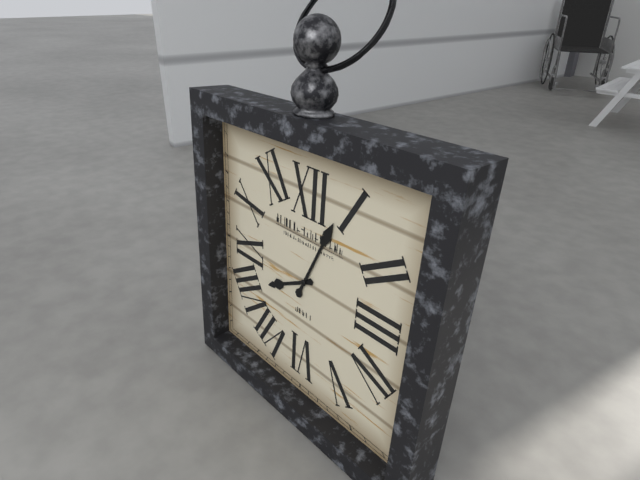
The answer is 8.04
